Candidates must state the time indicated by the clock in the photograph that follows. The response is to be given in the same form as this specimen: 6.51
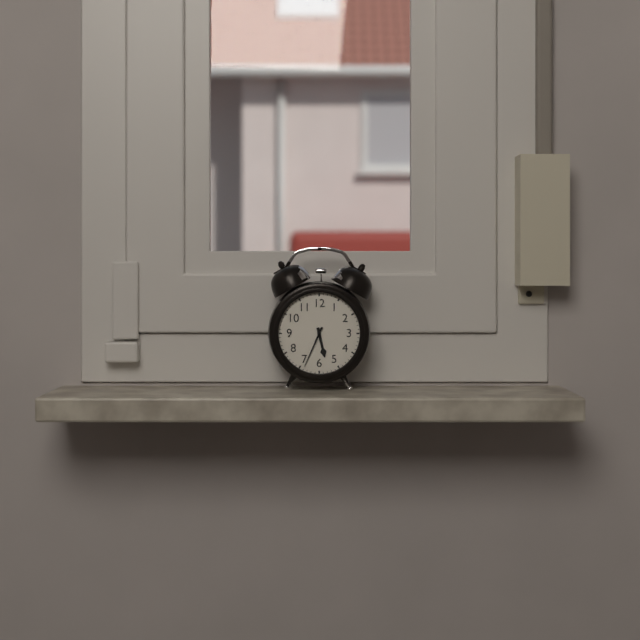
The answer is 5.34
